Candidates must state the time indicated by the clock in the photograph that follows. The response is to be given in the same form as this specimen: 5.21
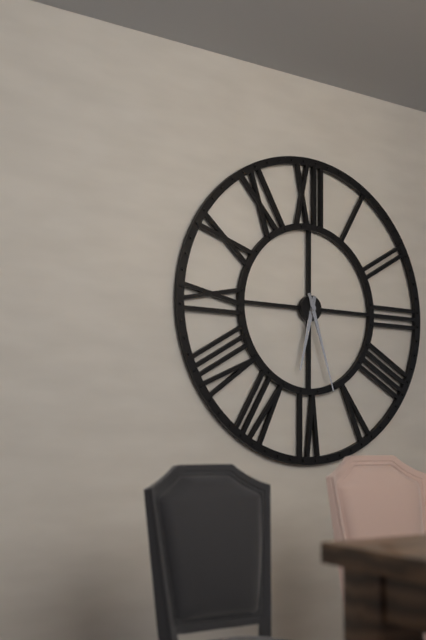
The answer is 6.27
